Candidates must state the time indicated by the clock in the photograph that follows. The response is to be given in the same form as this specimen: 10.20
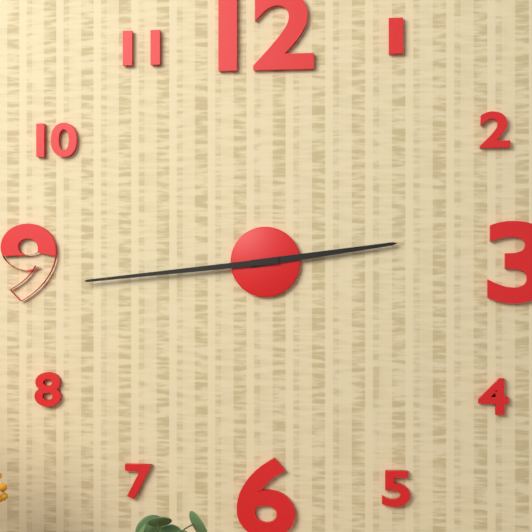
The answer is 2.44
